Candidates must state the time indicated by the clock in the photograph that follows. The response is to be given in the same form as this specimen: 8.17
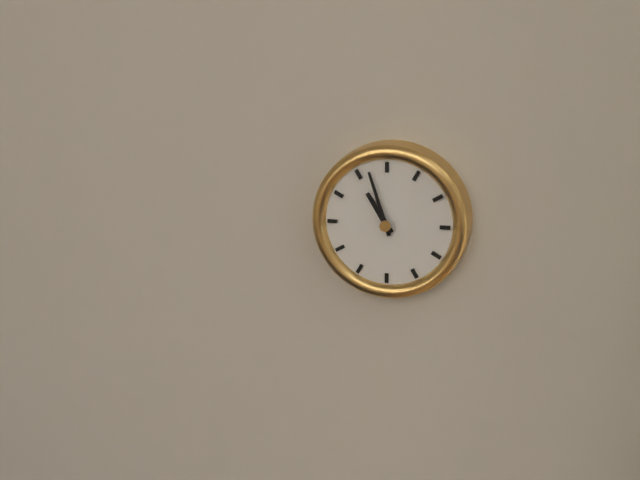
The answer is 10.57
